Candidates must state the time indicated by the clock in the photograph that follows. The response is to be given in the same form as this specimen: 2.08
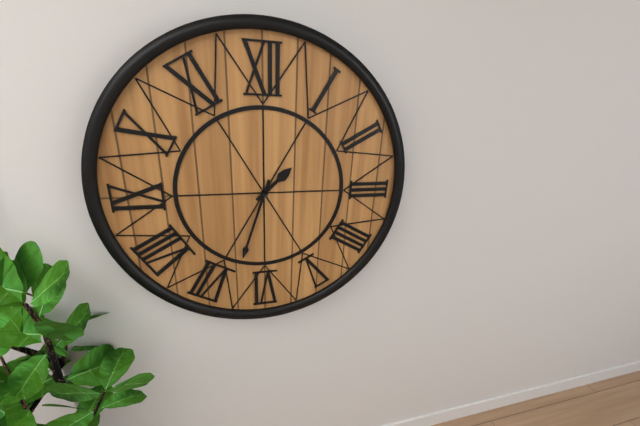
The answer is 1.33
